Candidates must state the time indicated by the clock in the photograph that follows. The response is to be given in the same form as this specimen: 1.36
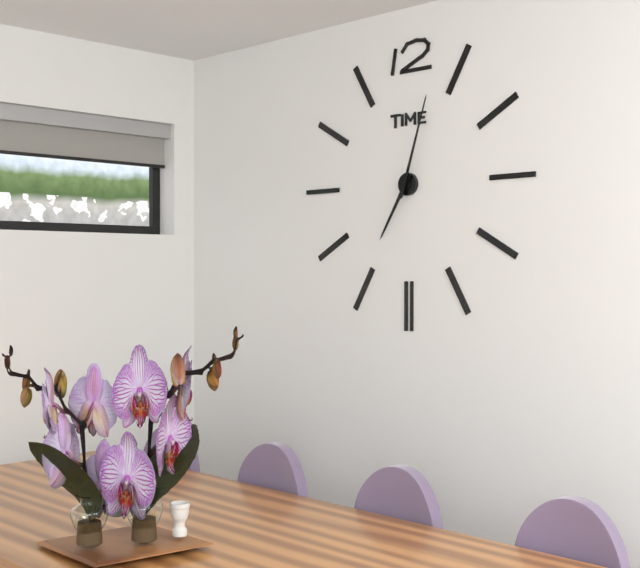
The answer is 7.03
